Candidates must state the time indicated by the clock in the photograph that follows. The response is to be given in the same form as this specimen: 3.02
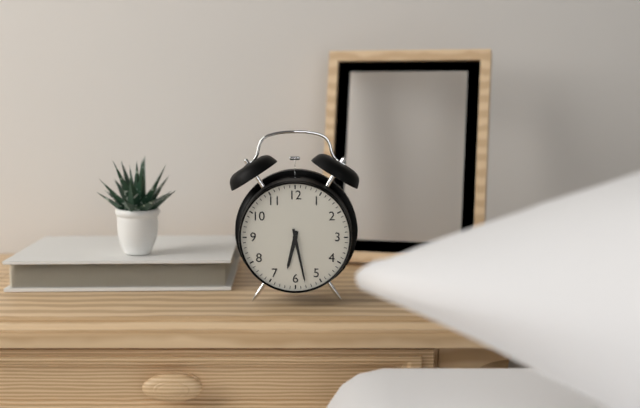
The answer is 6.28
